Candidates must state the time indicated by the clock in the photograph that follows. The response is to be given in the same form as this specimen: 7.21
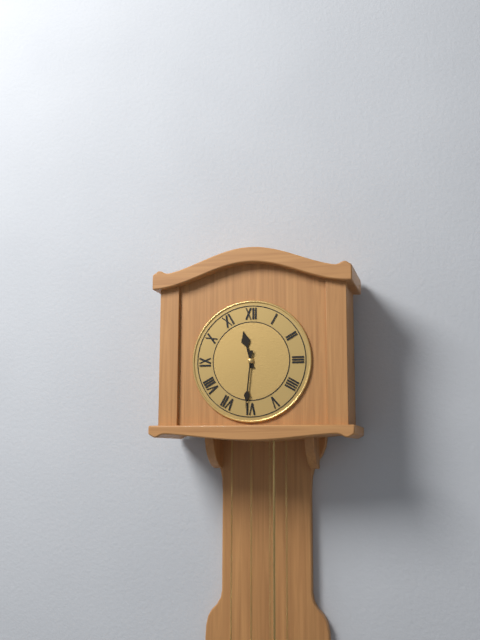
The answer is 11.31
